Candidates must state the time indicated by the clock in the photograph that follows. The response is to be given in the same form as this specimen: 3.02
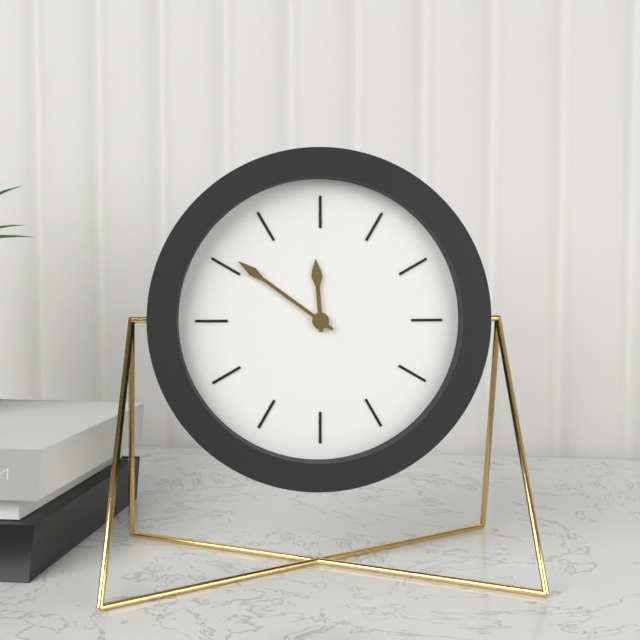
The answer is 11.51
